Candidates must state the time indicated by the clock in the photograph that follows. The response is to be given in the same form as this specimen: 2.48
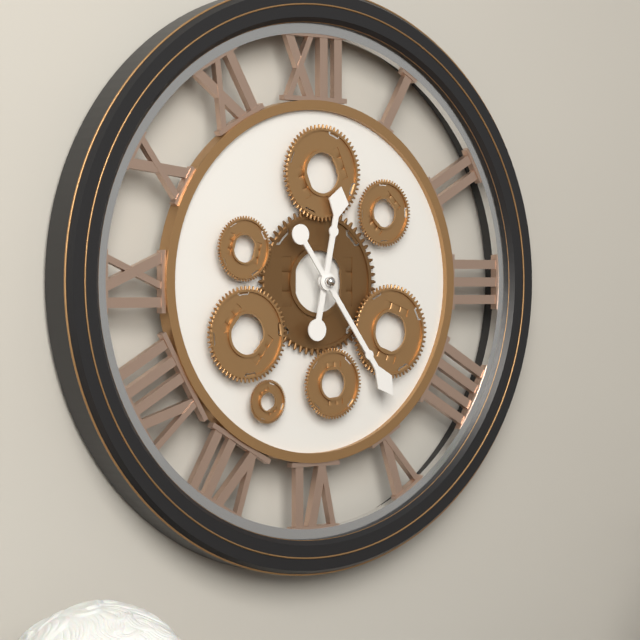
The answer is 12.24
